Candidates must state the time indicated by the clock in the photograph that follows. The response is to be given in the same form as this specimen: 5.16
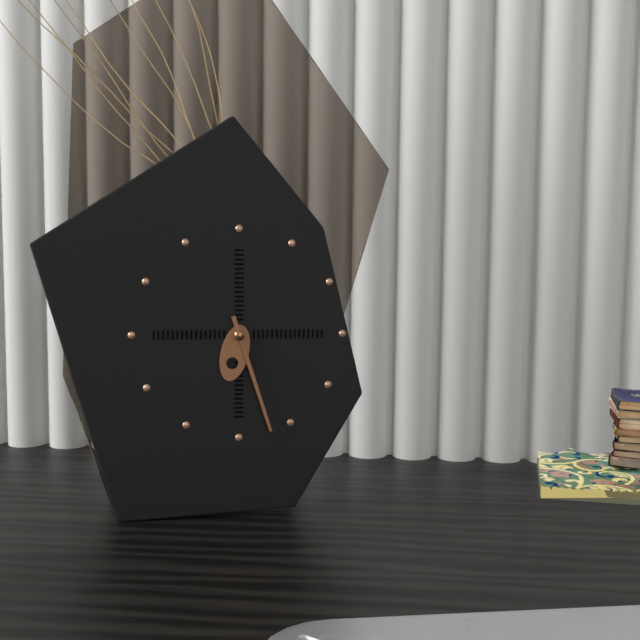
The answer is 6.27
